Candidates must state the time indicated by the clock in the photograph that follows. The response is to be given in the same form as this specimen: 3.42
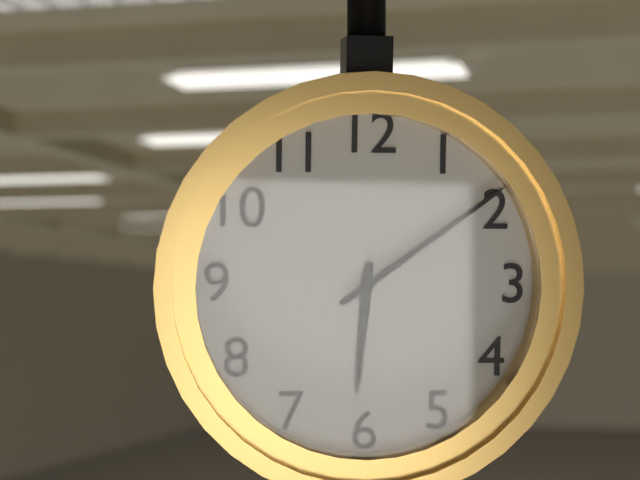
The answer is 6.09
